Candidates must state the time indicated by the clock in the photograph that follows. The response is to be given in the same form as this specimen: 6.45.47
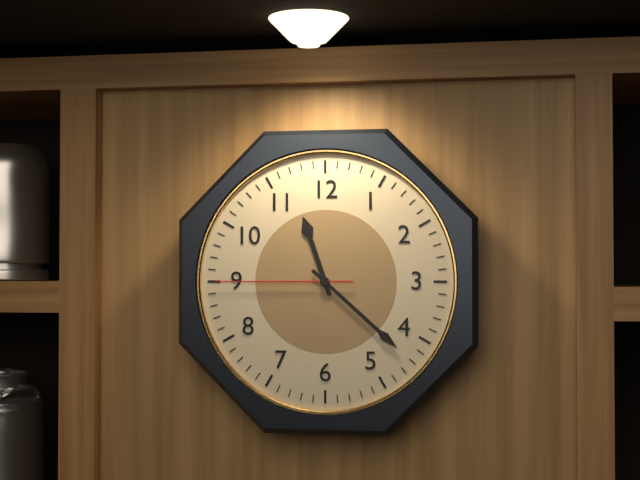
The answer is 11.22.45
